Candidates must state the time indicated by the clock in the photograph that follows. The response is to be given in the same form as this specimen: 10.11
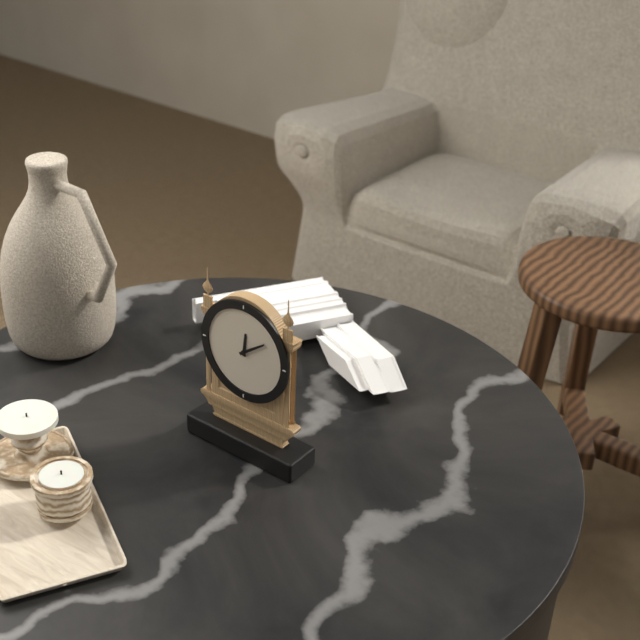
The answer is 12.09
